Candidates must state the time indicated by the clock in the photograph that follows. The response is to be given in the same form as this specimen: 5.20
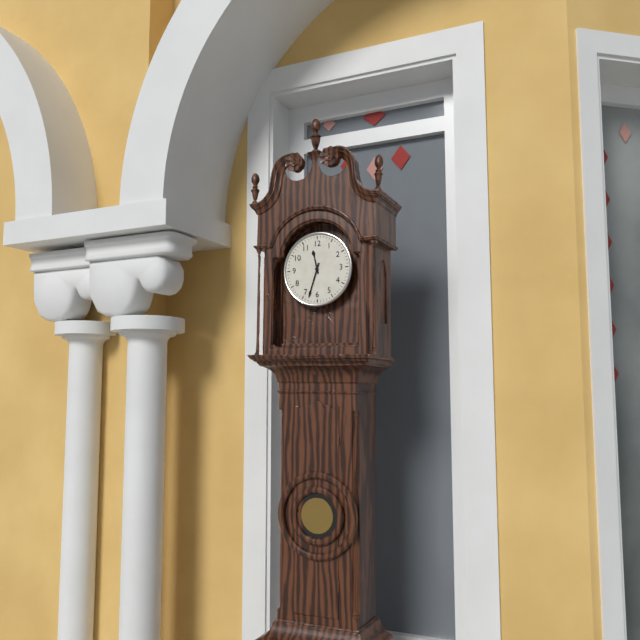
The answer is 11.33
